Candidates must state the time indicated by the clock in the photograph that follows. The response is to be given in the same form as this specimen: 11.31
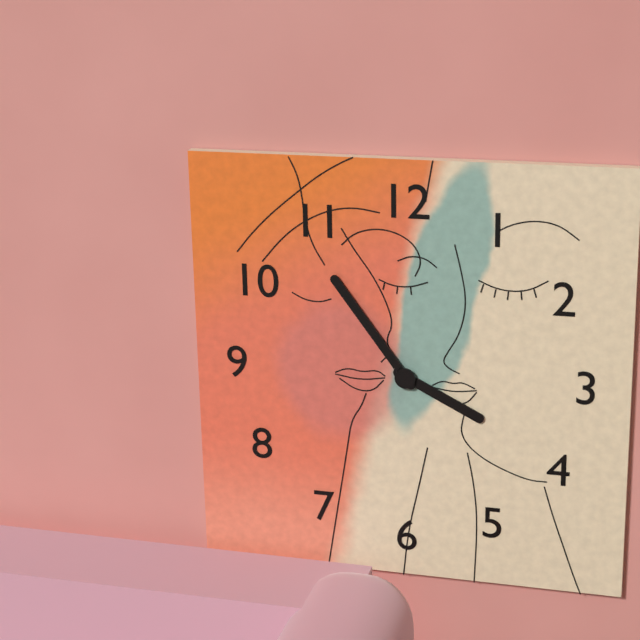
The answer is 3.54
